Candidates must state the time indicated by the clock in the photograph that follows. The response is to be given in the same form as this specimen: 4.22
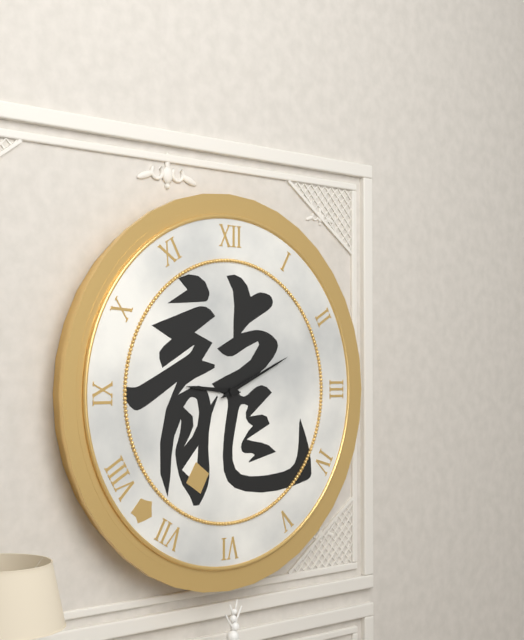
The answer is 9.11
